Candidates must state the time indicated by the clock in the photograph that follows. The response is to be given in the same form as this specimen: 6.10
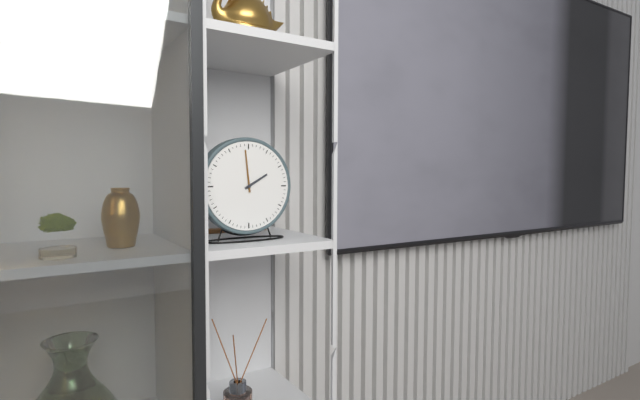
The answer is 1.59
